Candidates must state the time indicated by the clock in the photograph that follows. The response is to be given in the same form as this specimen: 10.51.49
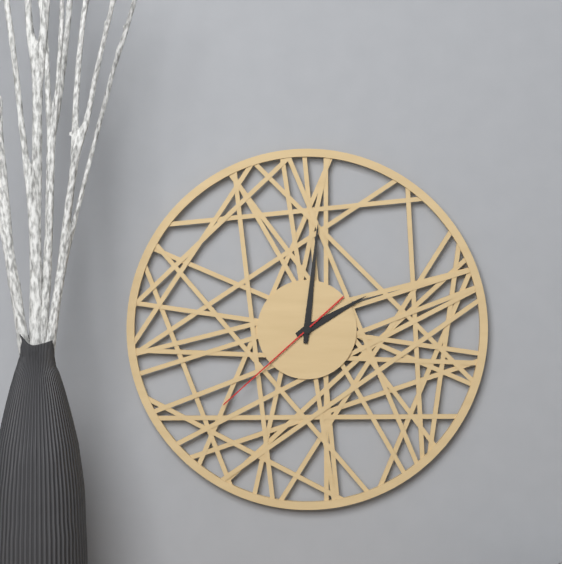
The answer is 2.01.38
